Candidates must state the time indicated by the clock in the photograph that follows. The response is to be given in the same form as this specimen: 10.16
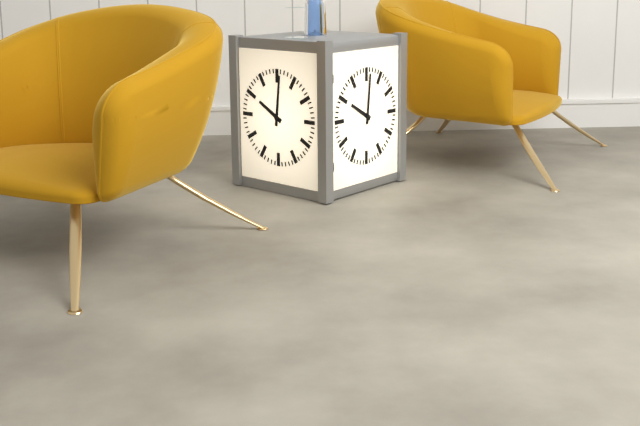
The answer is 10.01
